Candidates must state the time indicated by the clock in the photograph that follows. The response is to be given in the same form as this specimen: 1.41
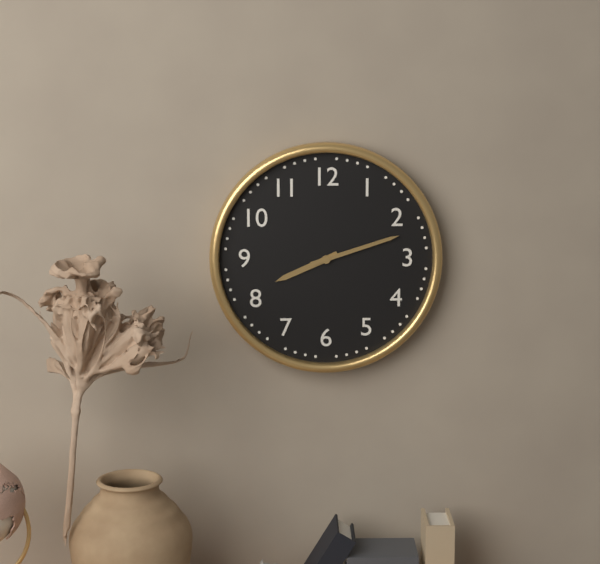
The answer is 8.12
